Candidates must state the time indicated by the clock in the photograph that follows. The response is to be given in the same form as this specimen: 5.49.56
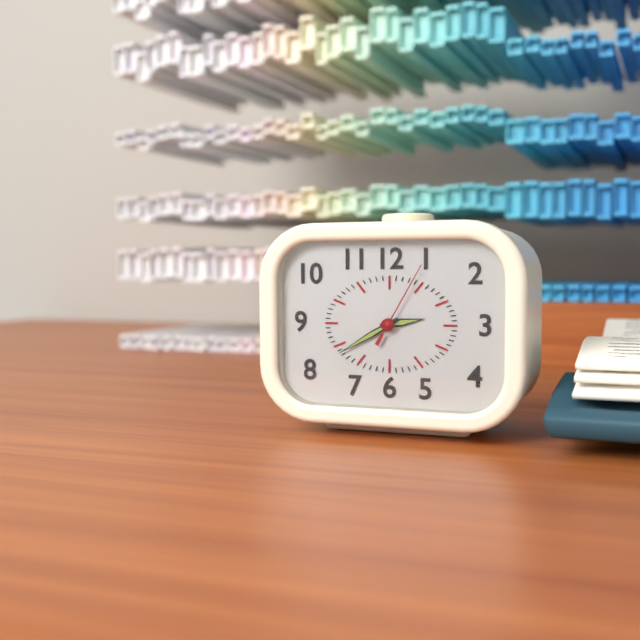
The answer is 2.40.05
